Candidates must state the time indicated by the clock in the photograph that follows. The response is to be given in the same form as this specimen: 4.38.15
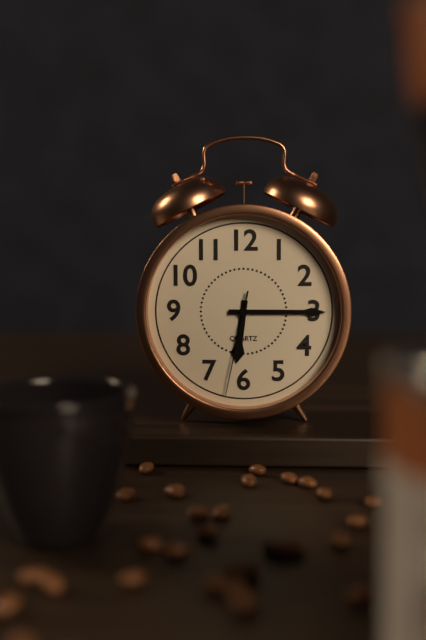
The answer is 6.15.32
